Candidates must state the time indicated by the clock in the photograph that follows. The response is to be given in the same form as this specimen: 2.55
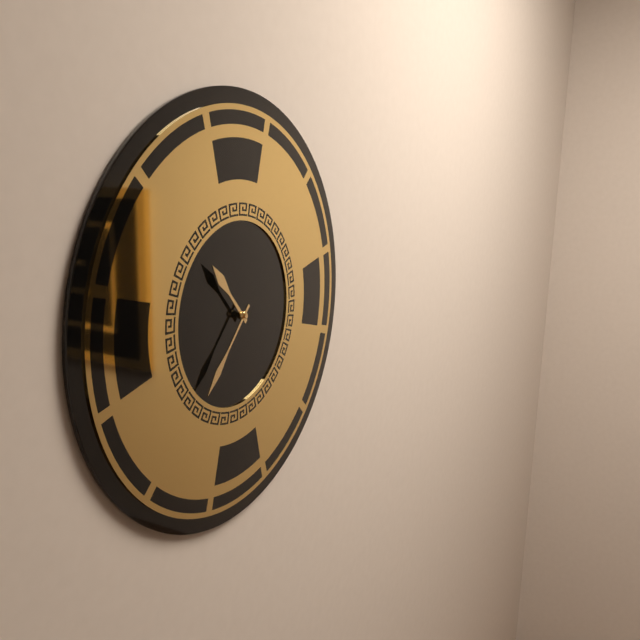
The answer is 10.37
